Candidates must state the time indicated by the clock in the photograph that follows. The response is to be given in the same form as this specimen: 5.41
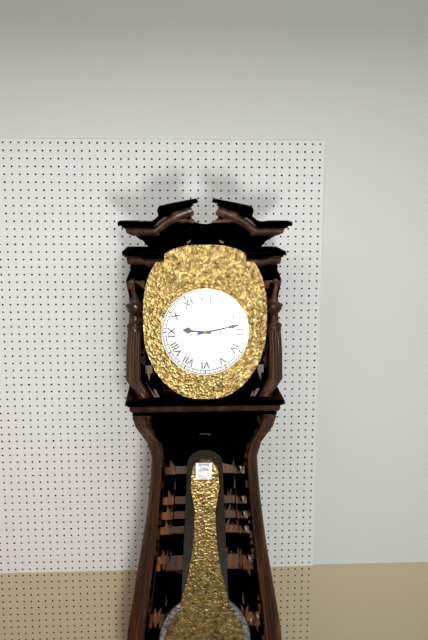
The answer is 9.13
